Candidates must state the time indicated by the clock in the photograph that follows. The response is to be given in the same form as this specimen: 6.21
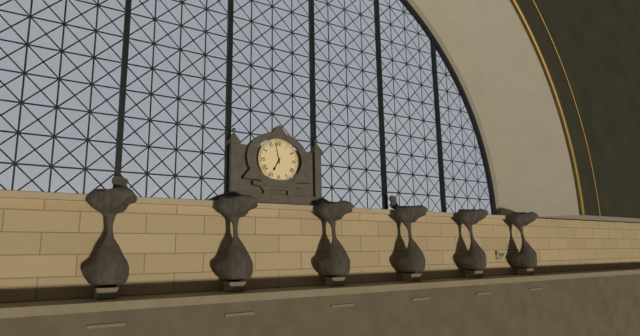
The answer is 6.58
